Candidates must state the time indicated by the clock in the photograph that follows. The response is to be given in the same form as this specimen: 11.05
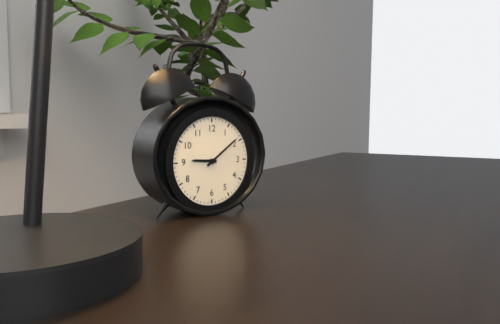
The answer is 9.09
